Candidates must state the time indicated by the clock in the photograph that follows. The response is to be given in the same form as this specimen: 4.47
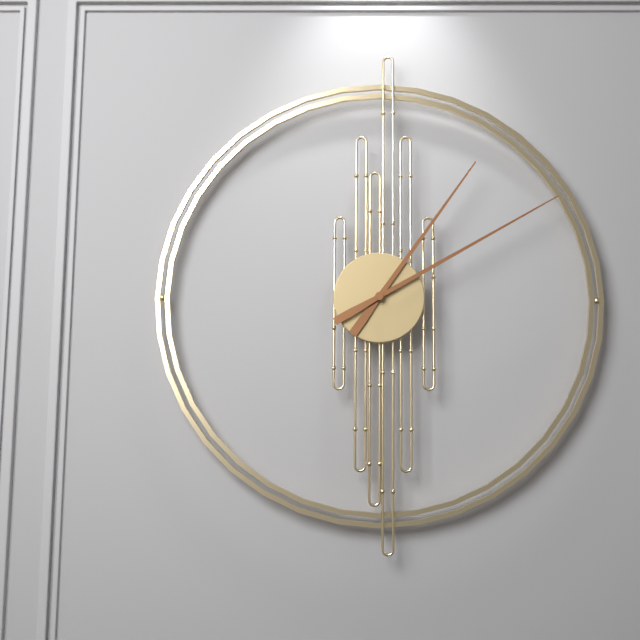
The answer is 1.10
